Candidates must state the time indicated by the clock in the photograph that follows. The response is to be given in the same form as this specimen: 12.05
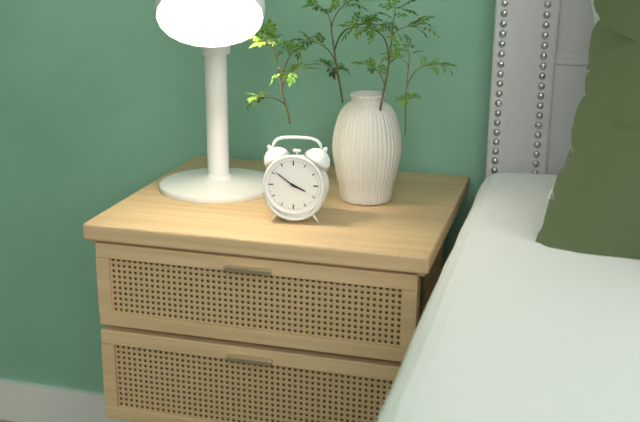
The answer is 3.51
